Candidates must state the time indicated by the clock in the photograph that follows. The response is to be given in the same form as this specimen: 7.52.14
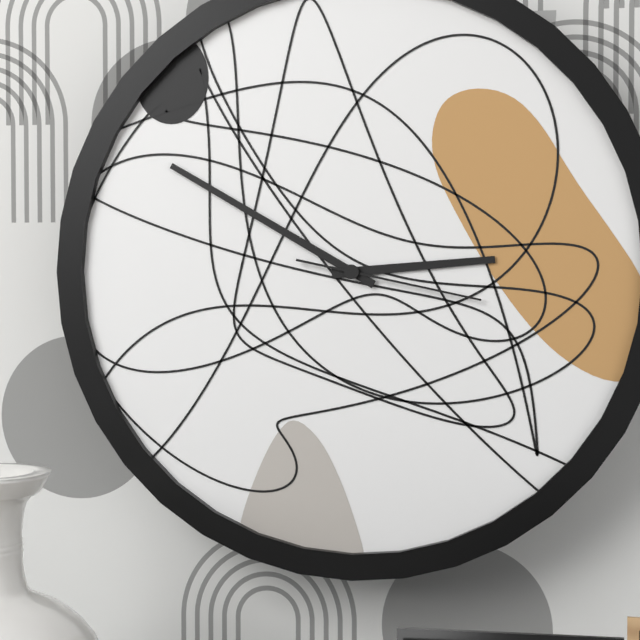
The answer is 2.50.17
